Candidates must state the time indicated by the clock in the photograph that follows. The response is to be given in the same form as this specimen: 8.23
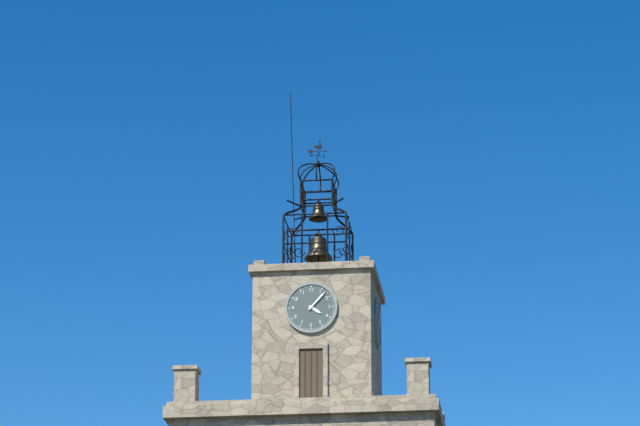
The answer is 4.07
